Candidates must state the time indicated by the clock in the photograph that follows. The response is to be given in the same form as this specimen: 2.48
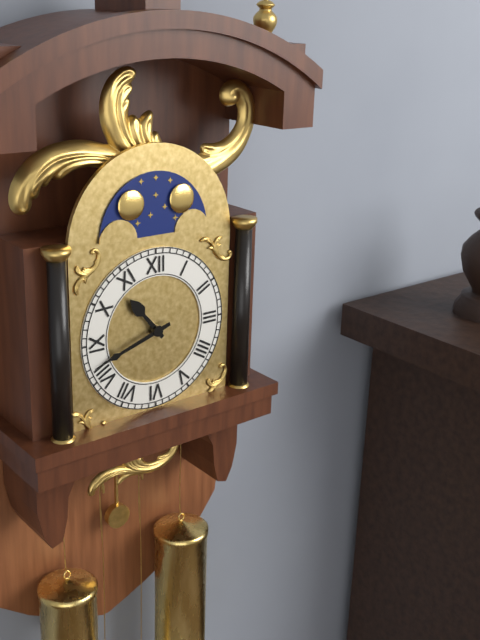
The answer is 10.42
